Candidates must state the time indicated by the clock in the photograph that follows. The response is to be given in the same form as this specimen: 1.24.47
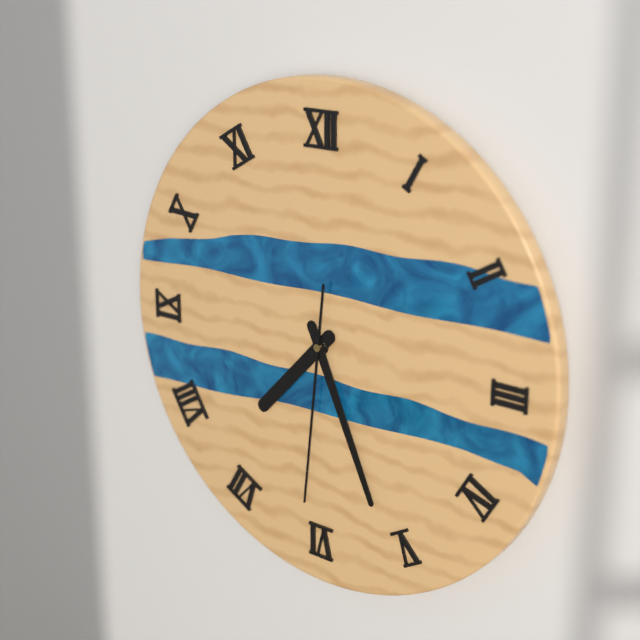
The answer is 7.26.31
